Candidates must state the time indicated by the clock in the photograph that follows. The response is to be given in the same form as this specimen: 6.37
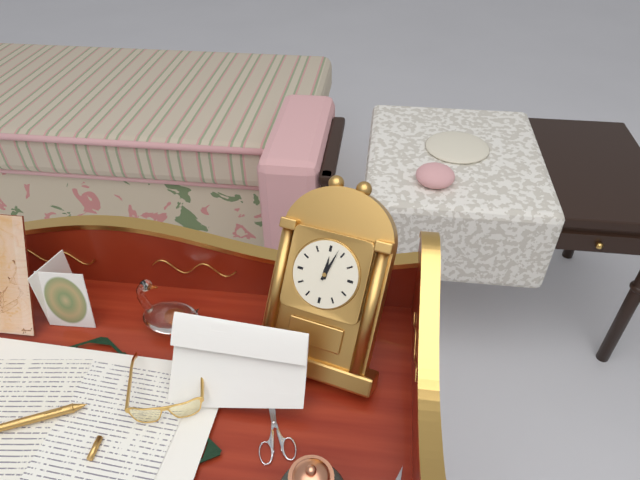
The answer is 12.03
